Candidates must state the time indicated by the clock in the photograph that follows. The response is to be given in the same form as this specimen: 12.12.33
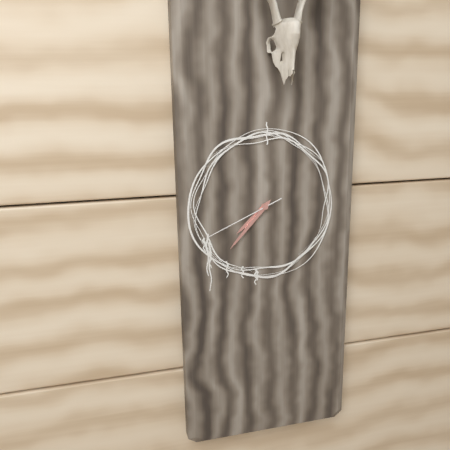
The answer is 7.37.41
